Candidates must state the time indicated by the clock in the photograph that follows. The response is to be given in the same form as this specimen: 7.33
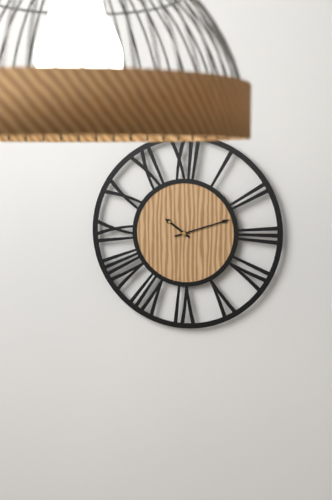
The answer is 10.12
